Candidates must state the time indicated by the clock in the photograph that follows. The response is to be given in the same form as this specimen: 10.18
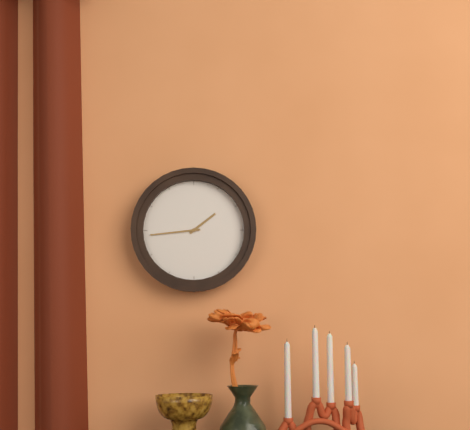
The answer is 1.44
